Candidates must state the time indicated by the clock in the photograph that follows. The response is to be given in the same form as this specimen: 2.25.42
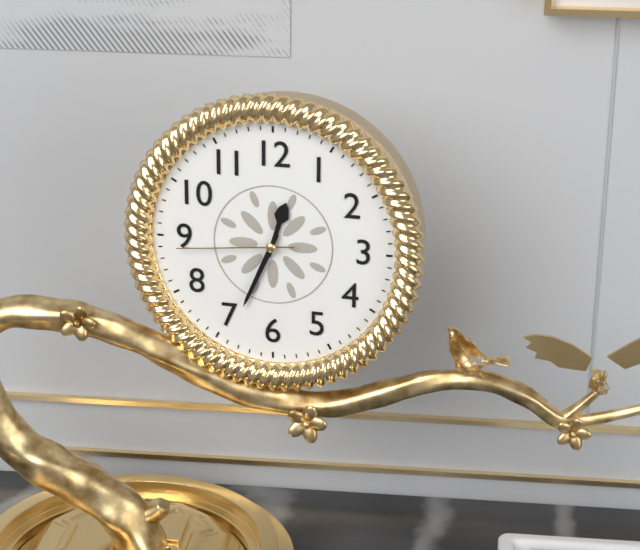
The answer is 12.34.44
